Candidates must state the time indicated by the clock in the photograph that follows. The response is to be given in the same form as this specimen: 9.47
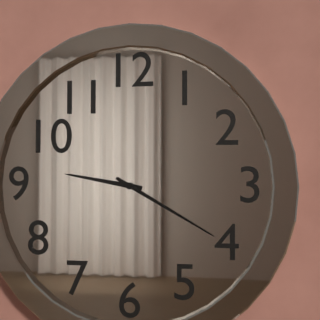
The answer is 9.20
